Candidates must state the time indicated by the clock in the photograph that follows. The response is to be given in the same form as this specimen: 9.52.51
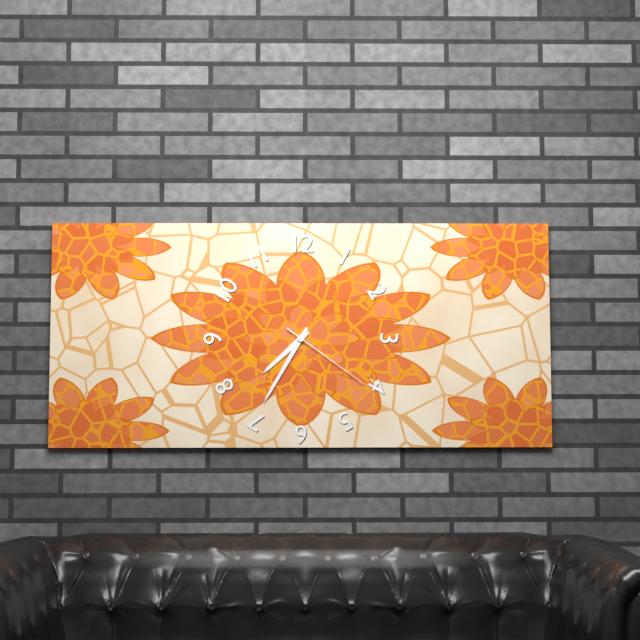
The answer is 7.35.21
